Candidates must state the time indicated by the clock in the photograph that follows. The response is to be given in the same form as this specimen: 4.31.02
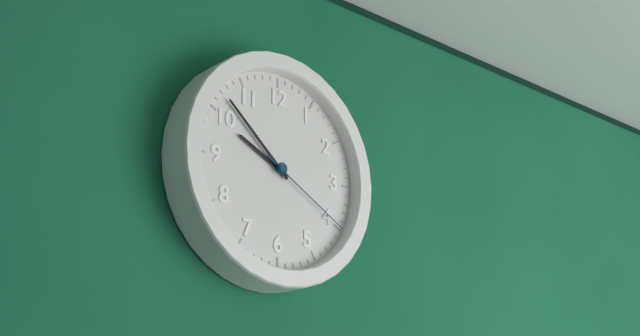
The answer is 9.52.20
